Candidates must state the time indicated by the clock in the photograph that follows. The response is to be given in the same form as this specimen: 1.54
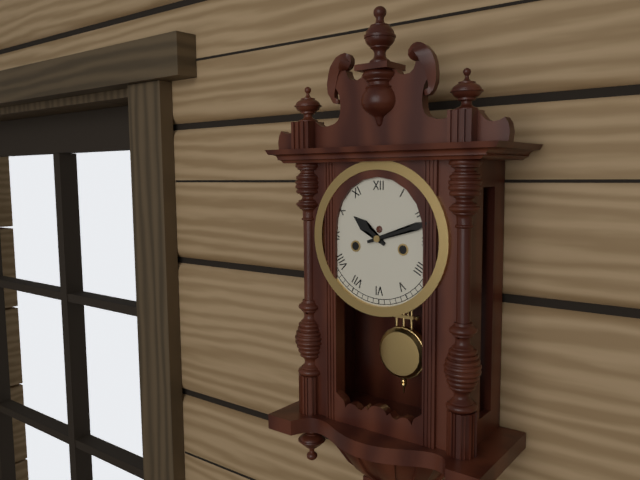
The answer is 10.12
